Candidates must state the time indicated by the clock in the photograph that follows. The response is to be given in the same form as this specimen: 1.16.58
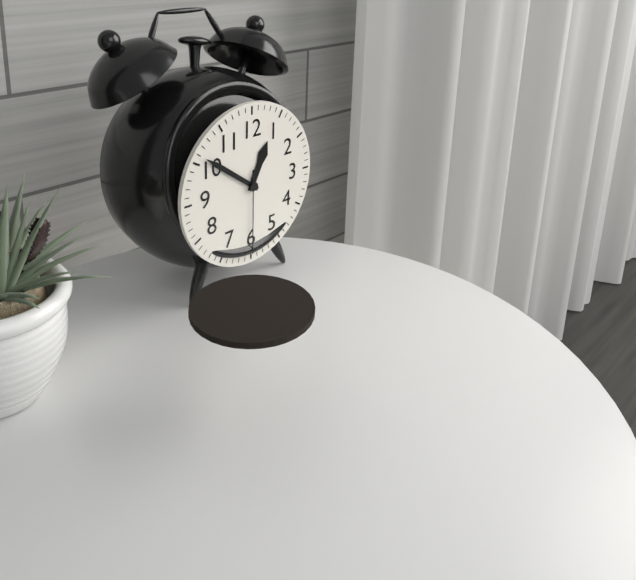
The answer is 12.51.30
